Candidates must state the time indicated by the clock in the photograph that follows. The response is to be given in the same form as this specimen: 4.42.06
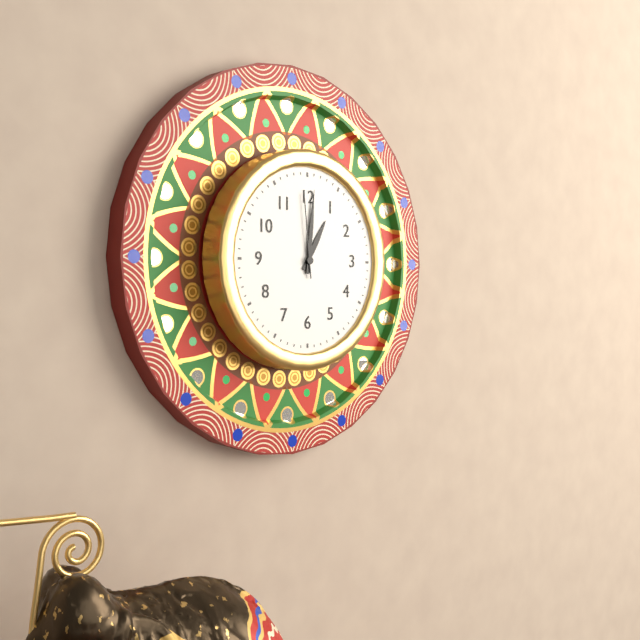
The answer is 1.01.59
